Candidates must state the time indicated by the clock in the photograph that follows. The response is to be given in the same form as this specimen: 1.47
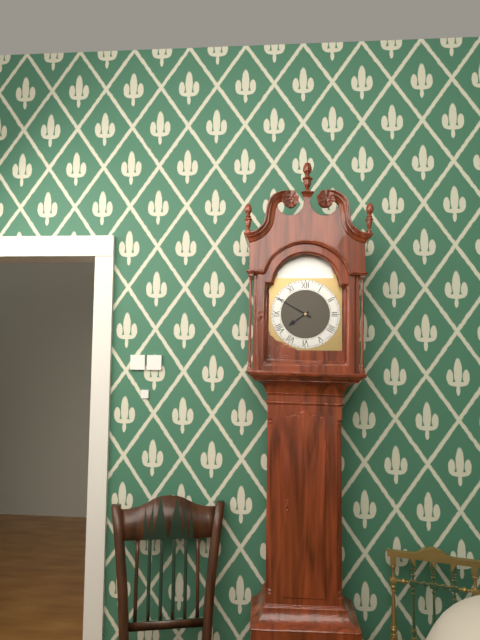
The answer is 7.50
